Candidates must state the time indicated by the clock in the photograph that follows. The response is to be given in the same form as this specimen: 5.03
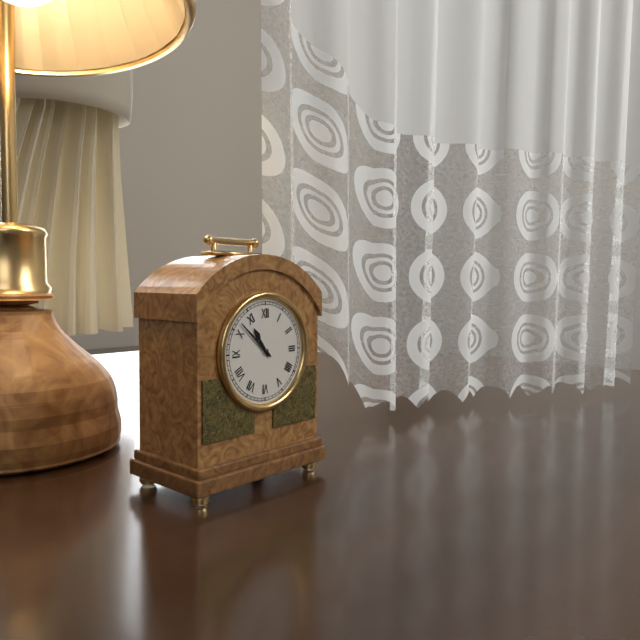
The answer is 10.52
